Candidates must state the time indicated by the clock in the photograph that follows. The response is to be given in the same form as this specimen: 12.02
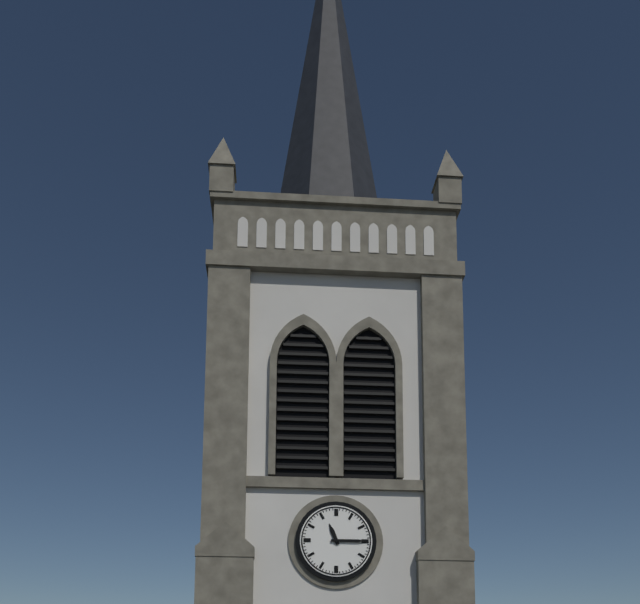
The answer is 11.15
